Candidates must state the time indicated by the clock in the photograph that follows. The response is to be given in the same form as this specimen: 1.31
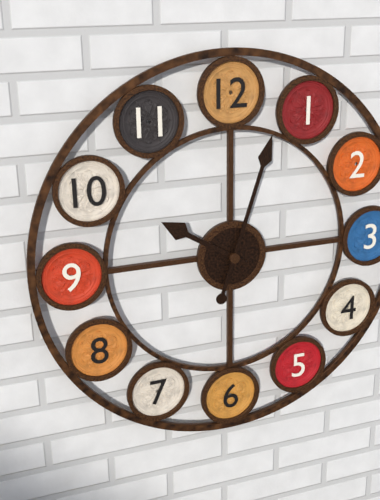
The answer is 10.03
